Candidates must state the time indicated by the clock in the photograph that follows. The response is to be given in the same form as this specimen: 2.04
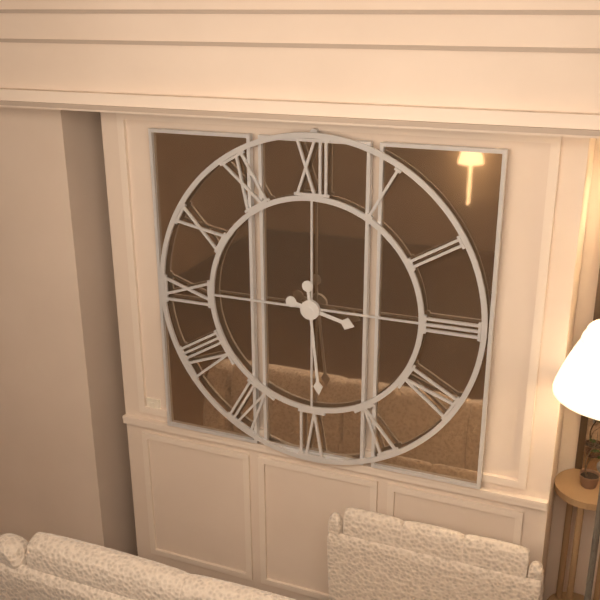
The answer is 3.29
